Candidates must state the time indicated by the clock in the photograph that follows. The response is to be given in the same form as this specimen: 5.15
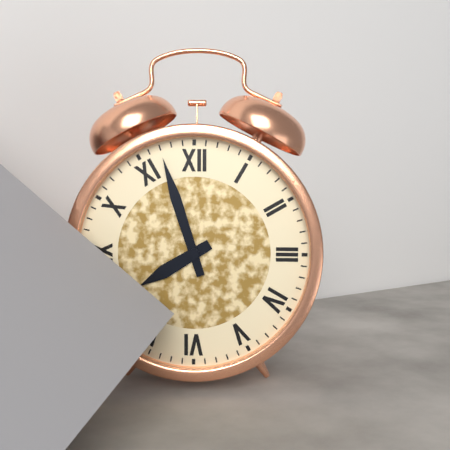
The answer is 7.57
